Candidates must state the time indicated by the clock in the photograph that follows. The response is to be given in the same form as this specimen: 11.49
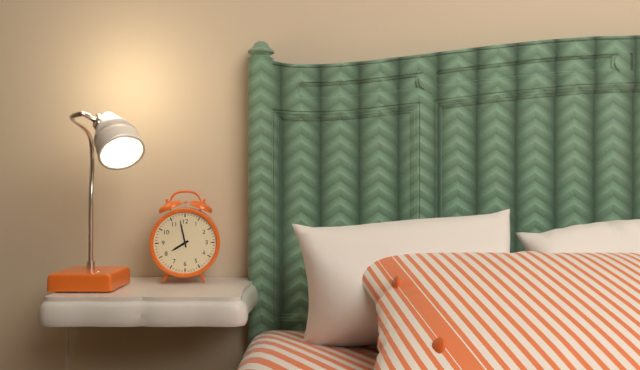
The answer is 7.58
